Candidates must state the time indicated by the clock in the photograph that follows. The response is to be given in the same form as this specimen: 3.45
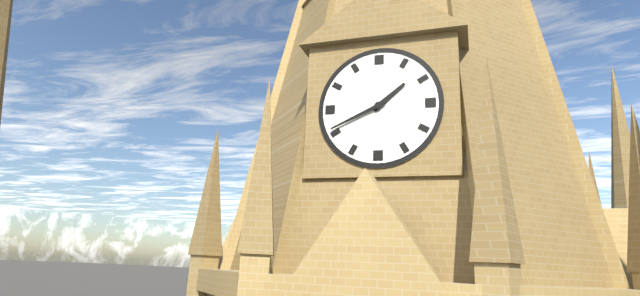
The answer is 1.41
